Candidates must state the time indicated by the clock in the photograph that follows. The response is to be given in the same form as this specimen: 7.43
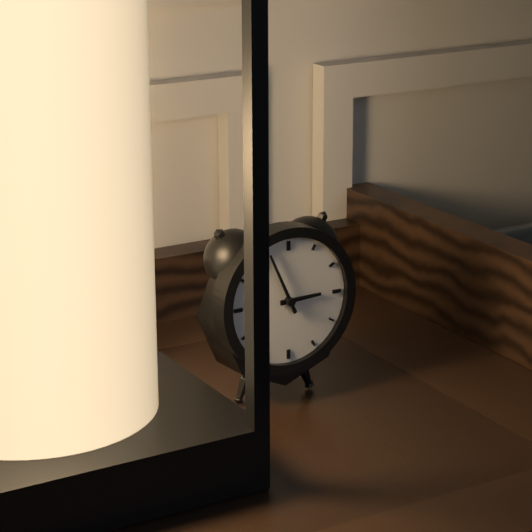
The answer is 2.56
